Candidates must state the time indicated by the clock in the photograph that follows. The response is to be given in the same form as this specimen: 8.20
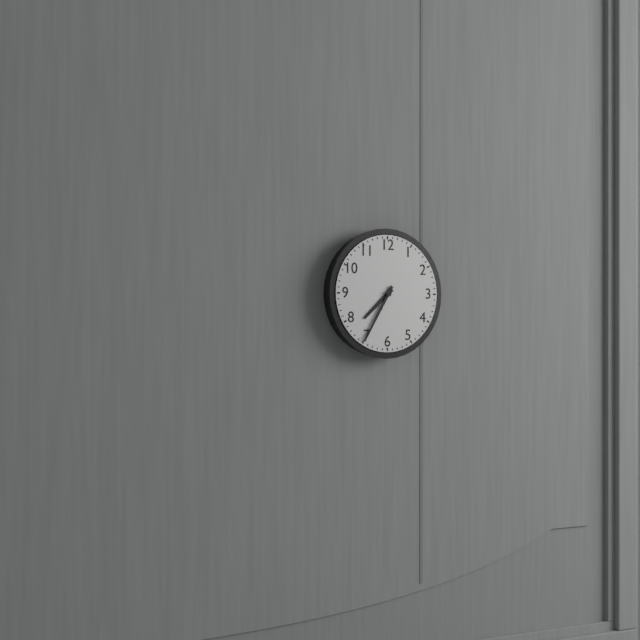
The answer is 7.35
